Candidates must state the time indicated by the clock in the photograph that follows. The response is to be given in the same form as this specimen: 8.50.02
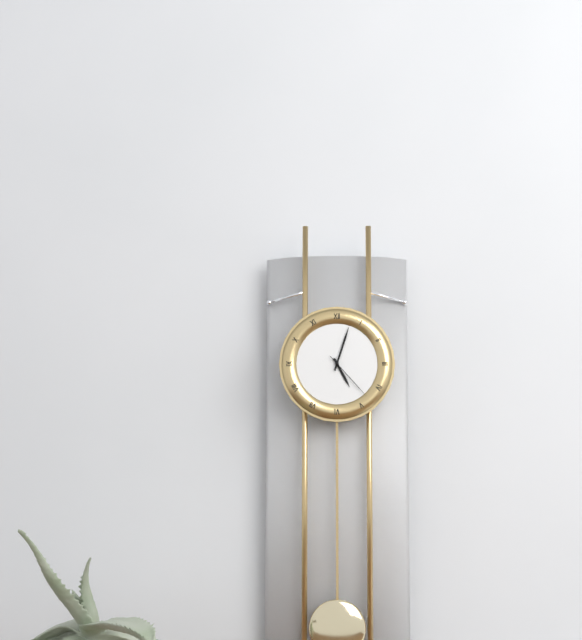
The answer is 5.03.23
